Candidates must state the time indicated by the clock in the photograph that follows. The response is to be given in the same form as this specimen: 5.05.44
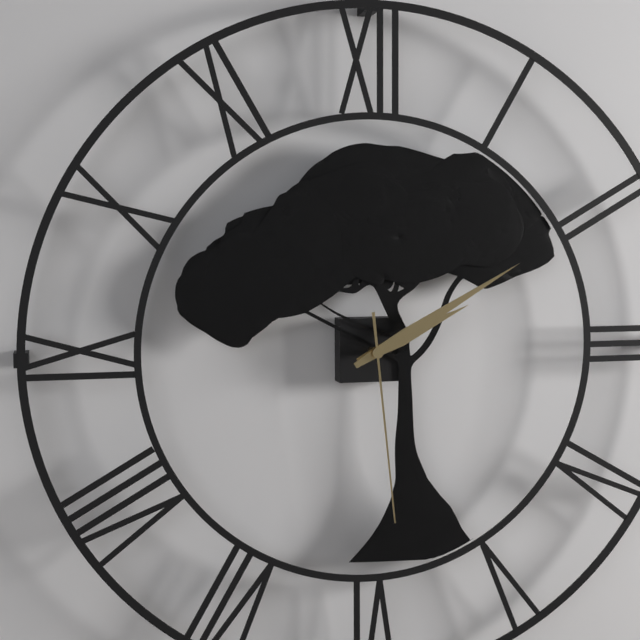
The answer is 2.10.29
